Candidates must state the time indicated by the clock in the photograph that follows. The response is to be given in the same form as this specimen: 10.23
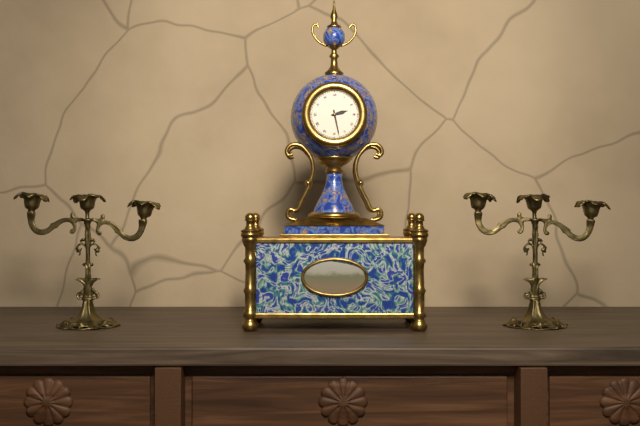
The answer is 2.28
